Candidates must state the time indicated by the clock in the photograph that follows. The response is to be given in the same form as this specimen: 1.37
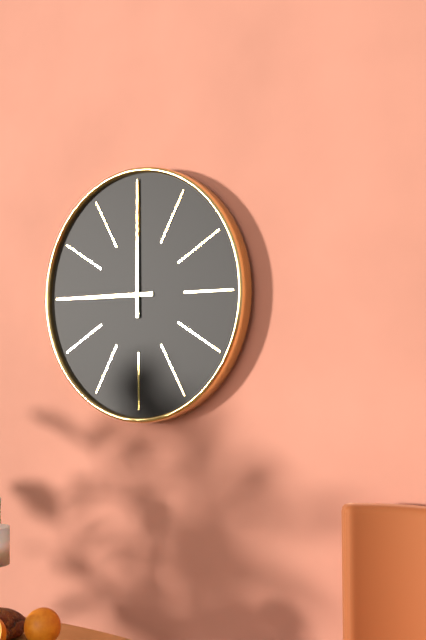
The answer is 9.00
